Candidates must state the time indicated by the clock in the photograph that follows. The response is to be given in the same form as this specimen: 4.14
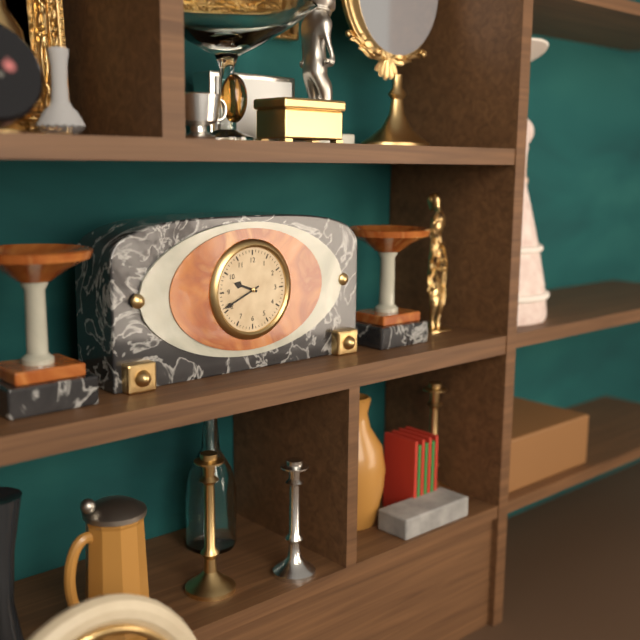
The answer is 9.41
